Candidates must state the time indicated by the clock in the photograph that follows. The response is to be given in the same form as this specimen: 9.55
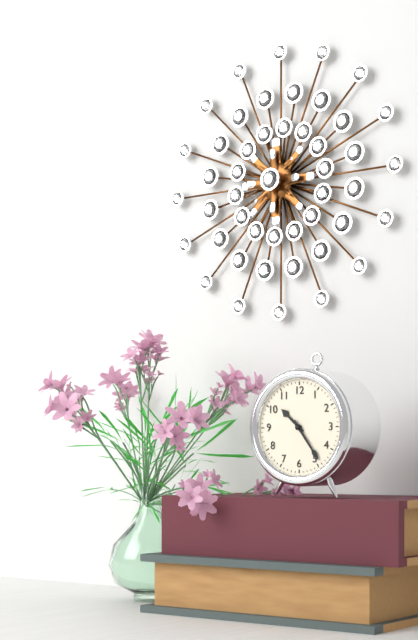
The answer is 10.24
